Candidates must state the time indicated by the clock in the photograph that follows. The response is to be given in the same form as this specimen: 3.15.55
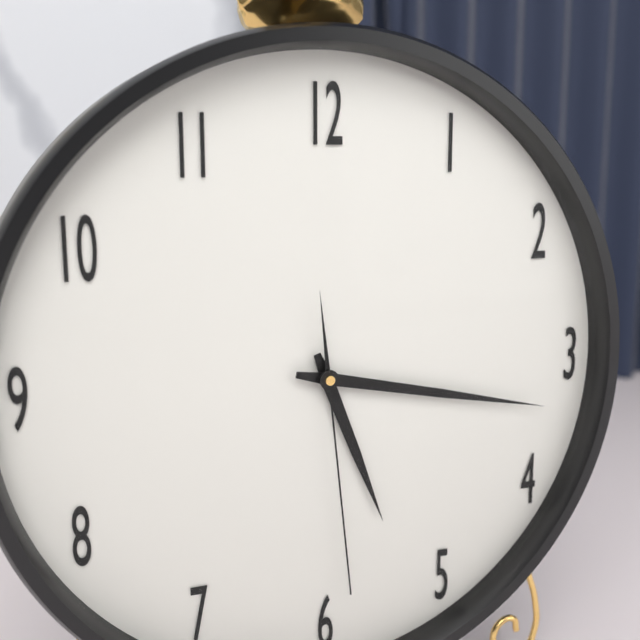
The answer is 5.17.29
